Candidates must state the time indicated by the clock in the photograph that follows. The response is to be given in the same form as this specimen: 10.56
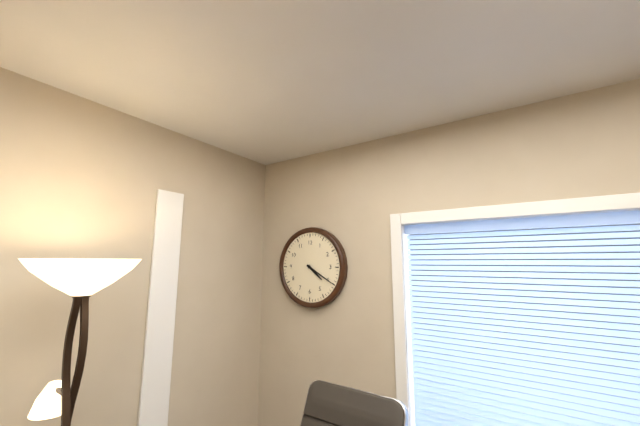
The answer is 4.20
